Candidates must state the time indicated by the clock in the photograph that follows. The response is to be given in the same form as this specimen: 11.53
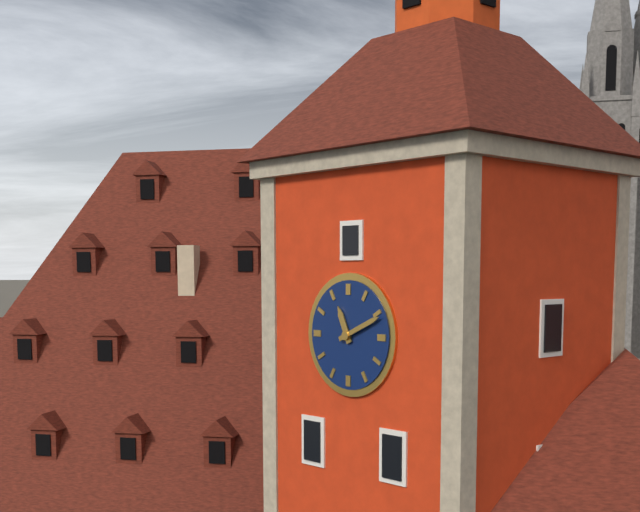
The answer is 11.11
